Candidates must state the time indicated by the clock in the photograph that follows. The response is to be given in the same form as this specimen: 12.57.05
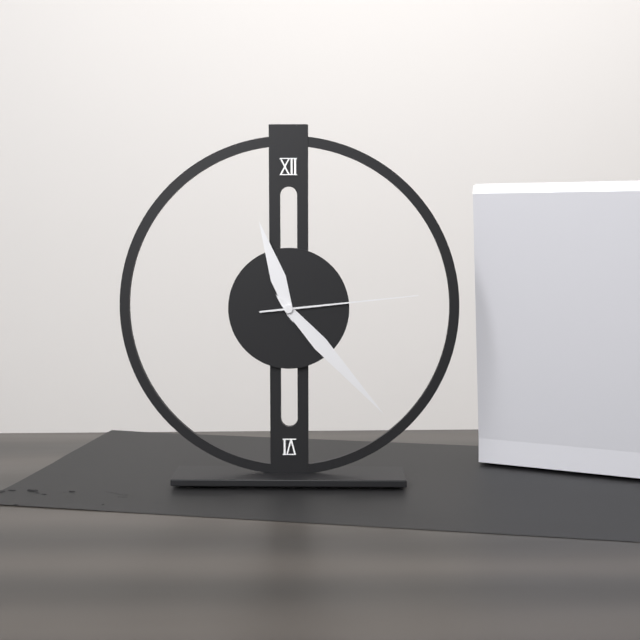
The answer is 11.23.14
